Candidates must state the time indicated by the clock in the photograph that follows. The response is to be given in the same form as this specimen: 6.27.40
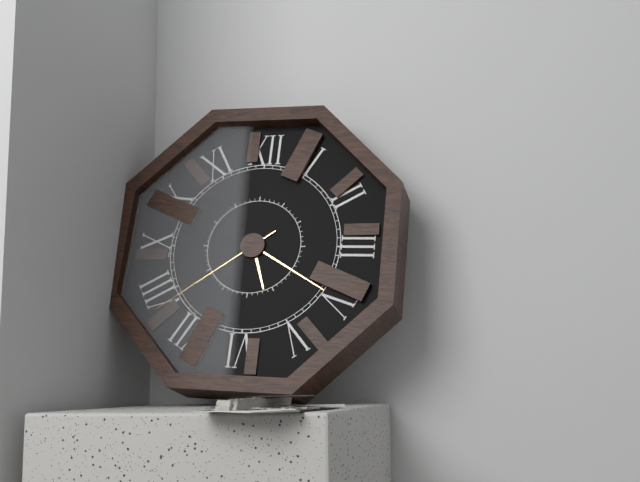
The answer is 5.20.39
